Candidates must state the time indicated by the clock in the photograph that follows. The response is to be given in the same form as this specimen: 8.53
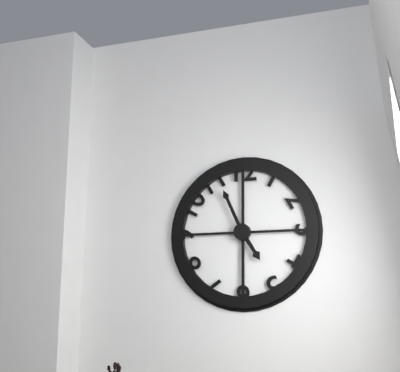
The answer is 4.56
